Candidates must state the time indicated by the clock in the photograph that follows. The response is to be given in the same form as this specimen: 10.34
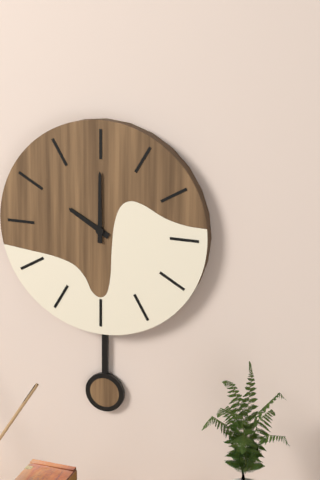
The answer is 10.00
